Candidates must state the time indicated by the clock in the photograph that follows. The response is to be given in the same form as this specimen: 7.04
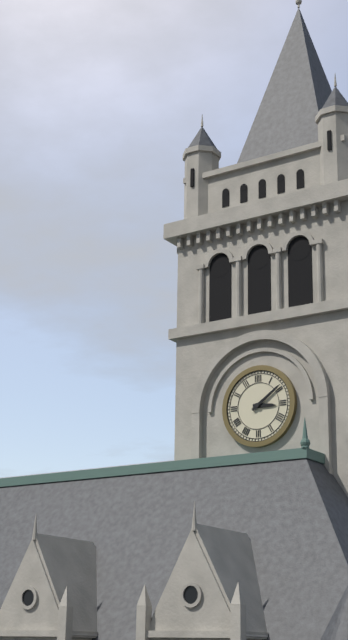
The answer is 3.09
